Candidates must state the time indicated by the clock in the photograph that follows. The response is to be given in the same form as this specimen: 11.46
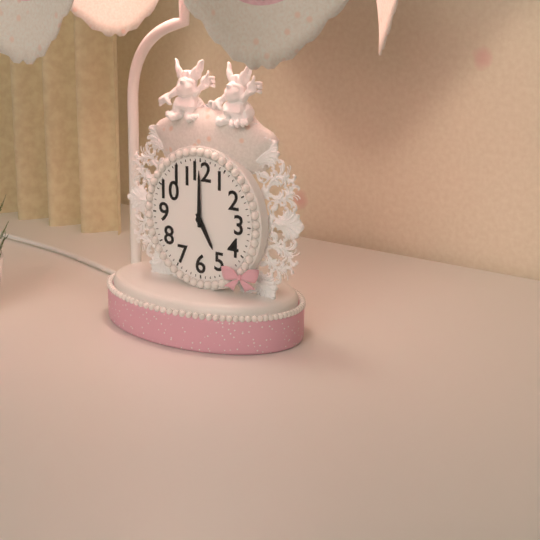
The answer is 5.00
